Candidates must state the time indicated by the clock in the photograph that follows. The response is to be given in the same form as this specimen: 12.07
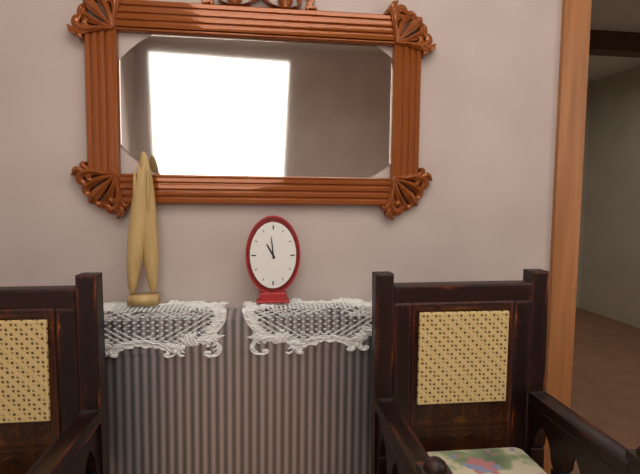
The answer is 10.59
